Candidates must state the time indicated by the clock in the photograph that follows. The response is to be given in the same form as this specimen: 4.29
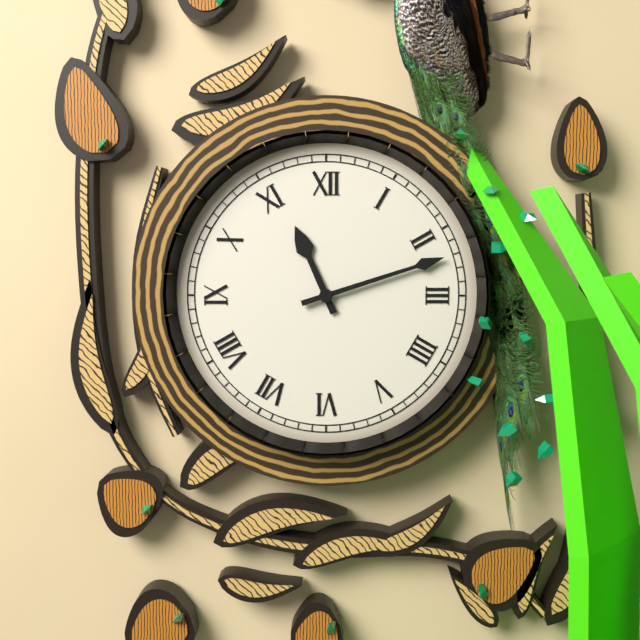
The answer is 11.12
